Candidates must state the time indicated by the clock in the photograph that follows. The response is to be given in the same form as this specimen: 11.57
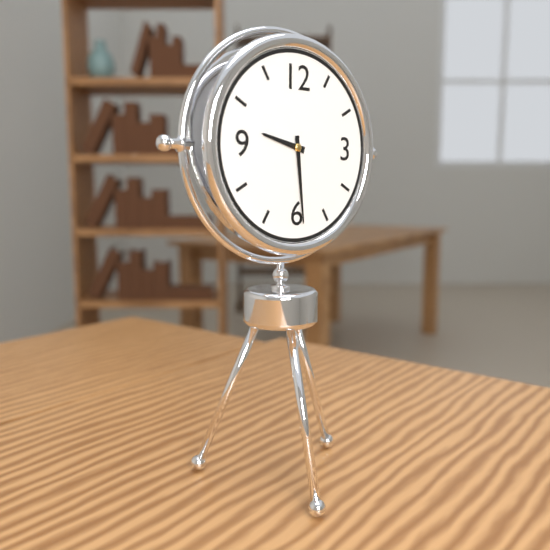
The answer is 9.29
